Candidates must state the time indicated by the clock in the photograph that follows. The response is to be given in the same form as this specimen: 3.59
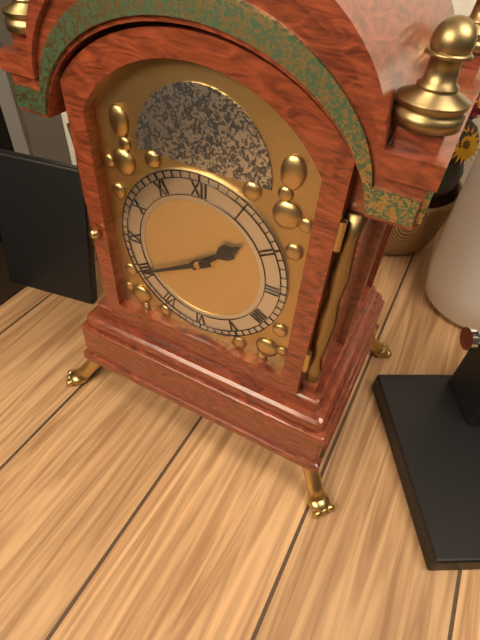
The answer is 1.40
